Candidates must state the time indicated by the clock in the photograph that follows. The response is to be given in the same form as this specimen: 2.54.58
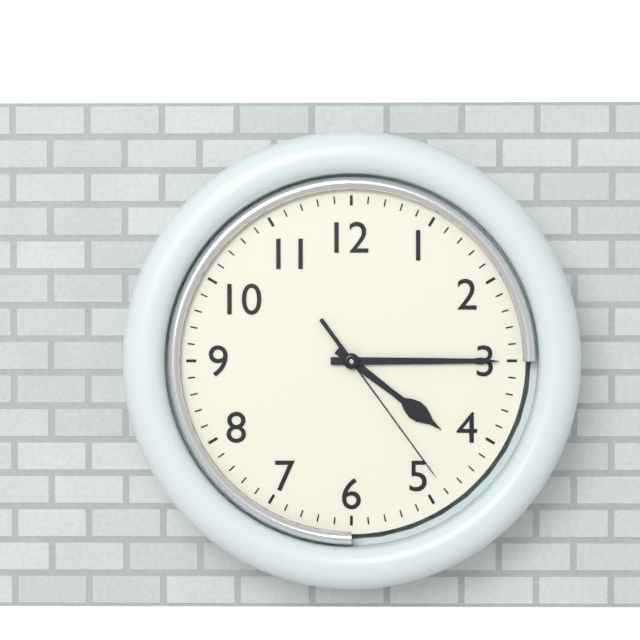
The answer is 4.15.24
